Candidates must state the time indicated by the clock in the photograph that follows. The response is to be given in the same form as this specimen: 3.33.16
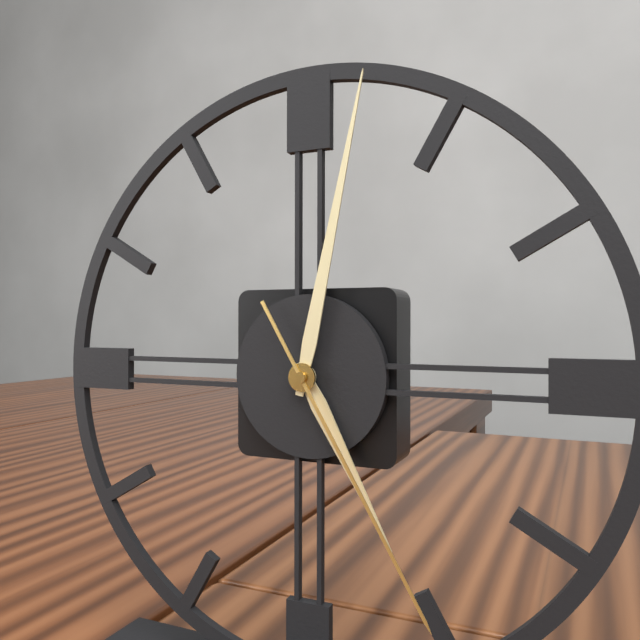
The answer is 5.02.25
